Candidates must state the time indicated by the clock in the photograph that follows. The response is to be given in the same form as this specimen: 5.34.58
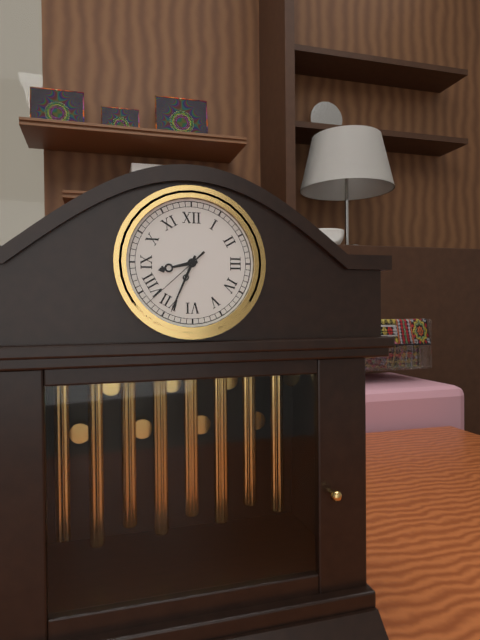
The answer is 8.34.38
